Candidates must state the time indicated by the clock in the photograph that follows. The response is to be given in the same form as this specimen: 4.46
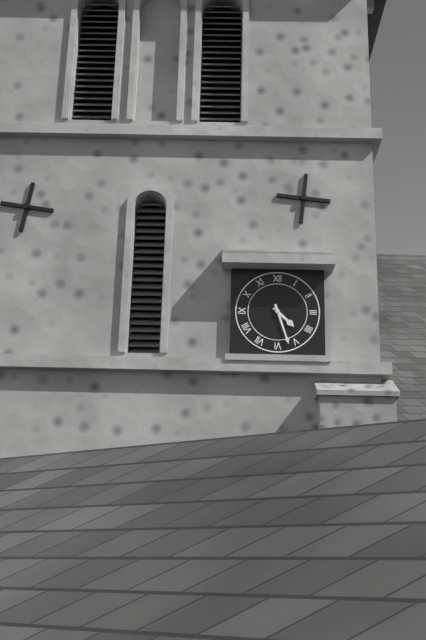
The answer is 4.27
